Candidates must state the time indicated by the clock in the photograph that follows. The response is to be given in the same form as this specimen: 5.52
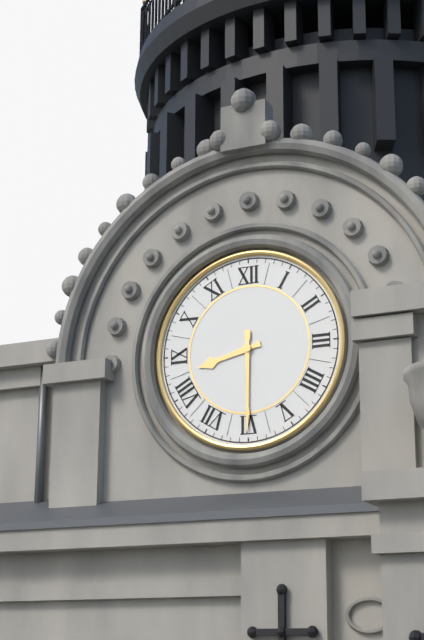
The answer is 8.30
